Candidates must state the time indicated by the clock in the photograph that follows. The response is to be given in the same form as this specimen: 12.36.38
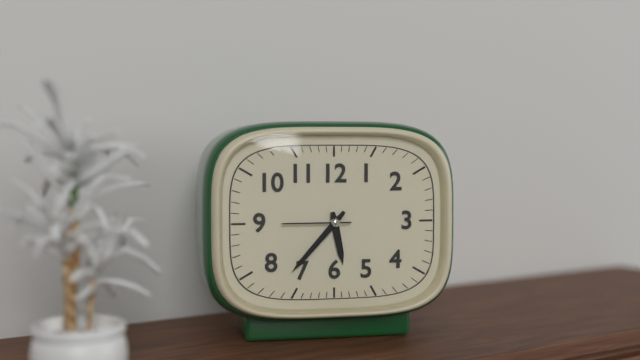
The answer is 5.37.45
